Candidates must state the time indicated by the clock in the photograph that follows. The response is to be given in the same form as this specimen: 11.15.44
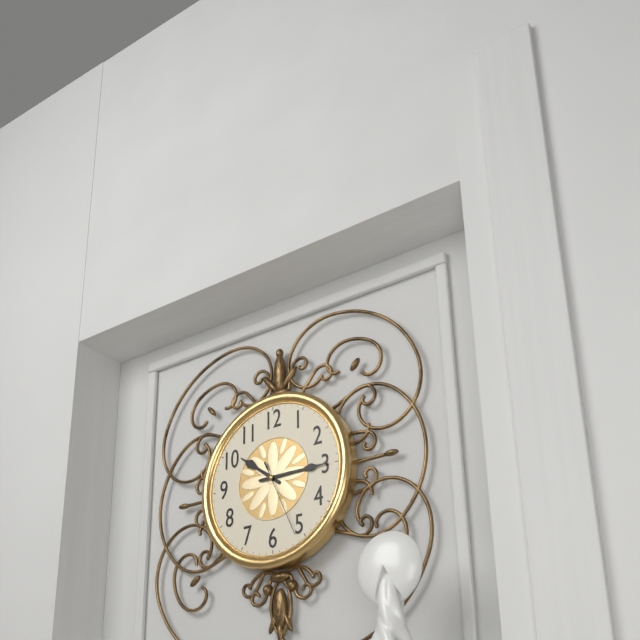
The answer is 10.15.26
